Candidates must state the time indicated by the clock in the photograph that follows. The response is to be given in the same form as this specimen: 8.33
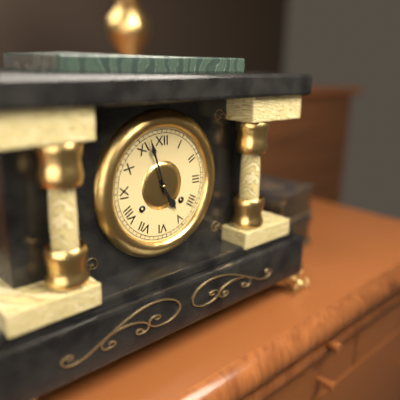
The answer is 4.57
